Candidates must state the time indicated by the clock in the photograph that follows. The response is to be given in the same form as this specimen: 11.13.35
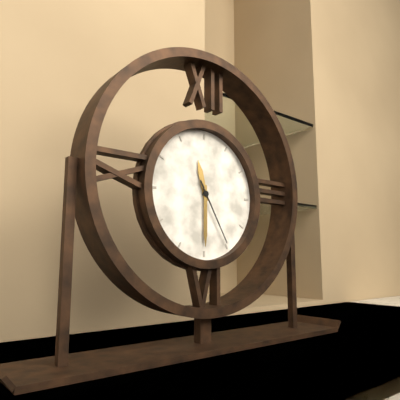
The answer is 11.30.25
